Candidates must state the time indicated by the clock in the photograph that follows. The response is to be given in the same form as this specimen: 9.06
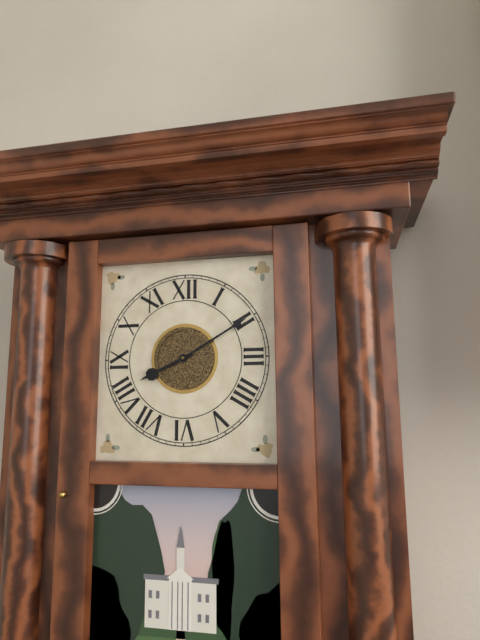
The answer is 8.10
